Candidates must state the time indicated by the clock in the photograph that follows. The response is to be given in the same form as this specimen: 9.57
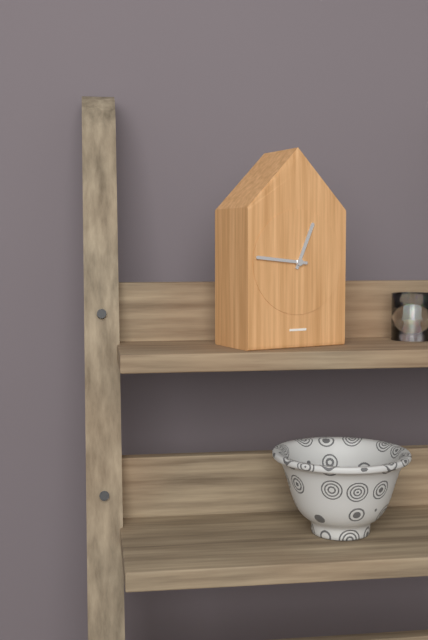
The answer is 12.46
